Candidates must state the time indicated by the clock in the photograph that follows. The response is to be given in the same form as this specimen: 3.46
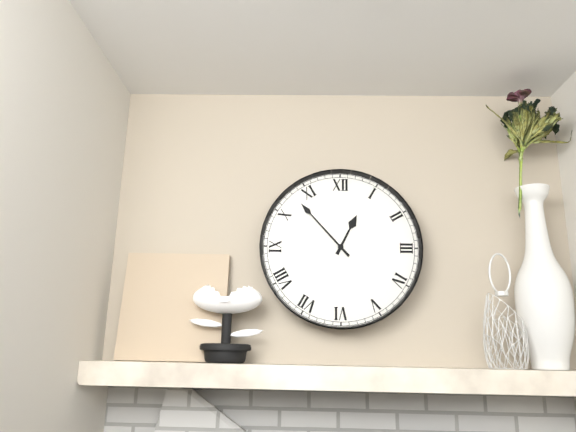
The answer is 12.53
